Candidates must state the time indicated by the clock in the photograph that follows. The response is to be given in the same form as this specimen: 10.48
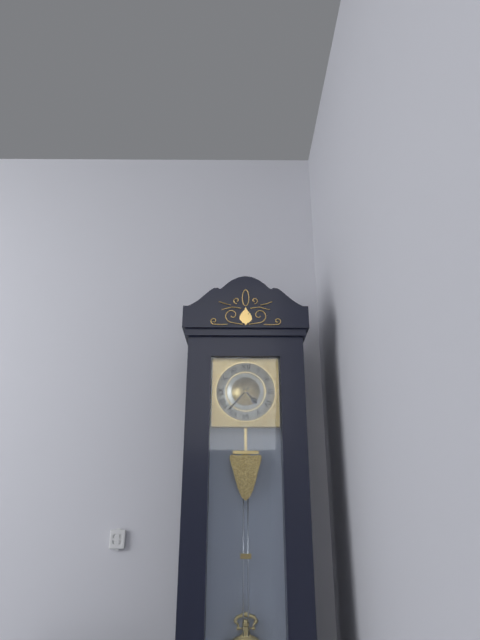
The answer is 4.37
